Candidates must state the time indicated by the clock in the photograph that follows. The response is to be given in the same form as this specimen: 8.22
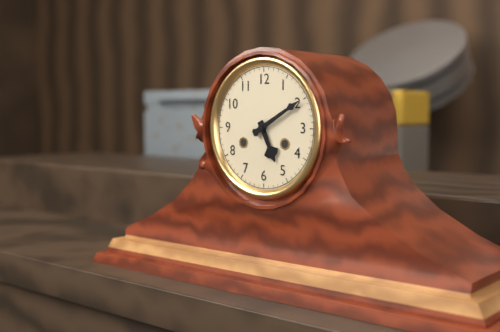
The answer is 5.10
